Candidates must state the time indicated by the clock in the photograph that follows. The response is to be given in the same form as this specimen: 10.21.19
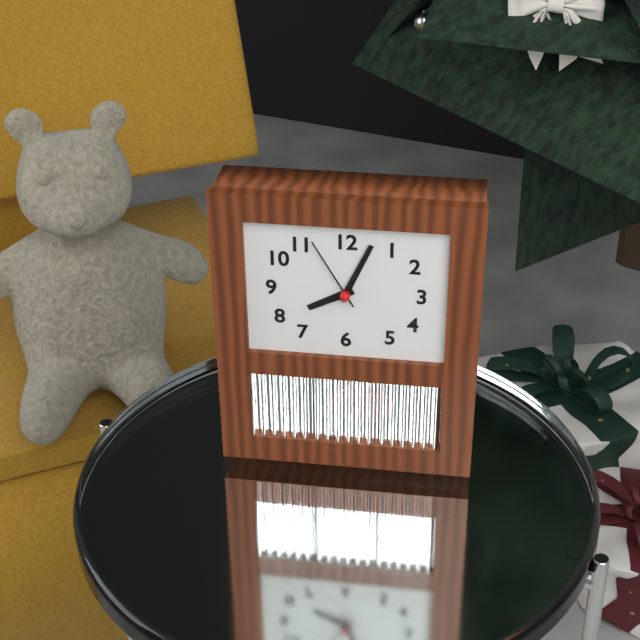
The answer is 8.04.55
